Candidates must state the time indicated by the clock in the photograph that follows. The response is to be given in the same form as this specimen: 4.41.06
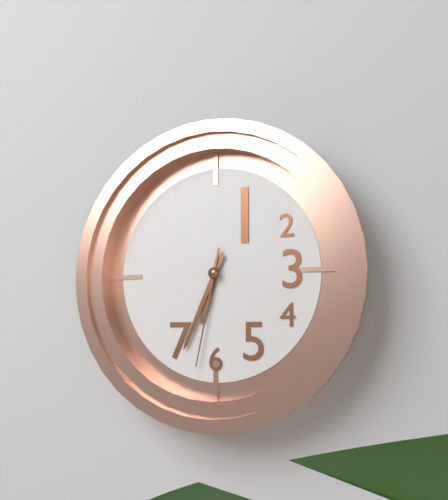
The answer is 6.34.32
